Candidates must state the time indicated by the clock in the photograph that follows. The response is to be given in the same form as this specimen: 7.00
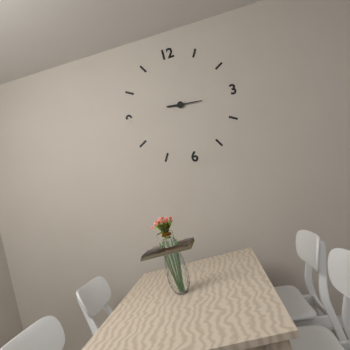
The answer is 9.16
